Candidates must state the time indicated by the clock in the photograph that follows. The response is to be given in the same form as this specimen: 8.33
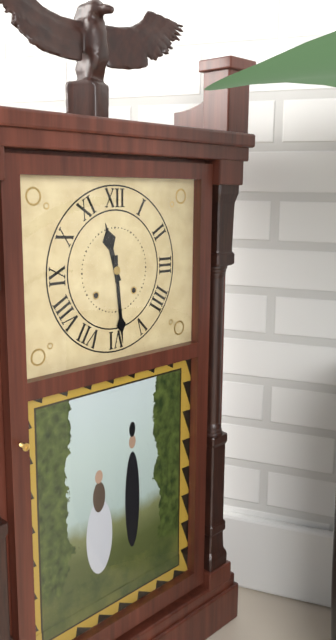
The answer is 11.29
